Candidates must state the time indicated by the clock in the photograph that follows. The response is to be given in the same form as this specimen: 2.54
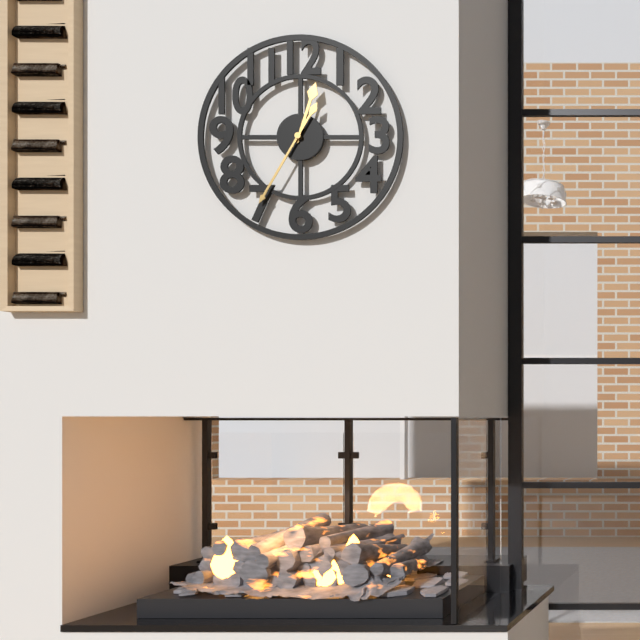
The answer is 12.35
